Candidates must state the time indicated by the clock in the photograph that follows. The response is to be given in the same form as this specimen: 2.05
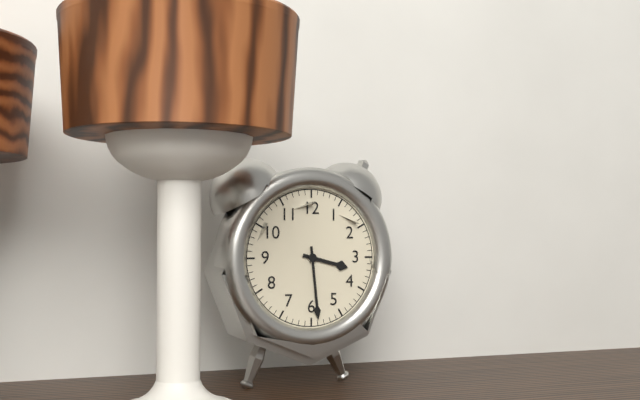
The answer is 3.29
